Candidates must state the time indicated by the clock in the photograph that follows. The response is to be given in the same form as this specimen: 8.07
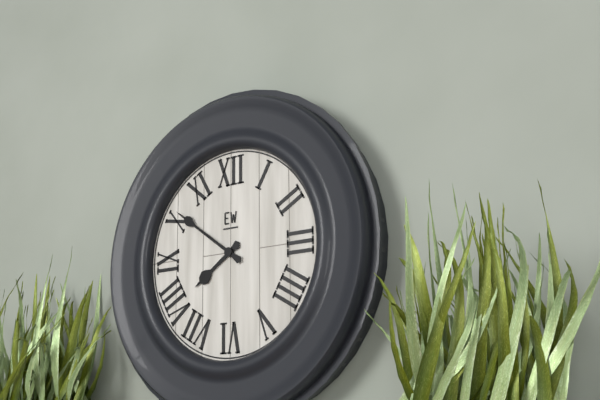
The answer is 7.51
